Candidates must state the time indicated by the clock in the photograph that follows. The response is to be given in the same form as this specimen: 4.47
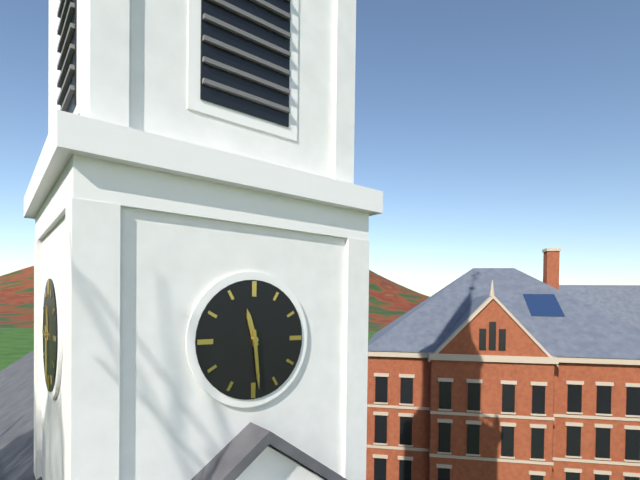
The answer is 11.29
